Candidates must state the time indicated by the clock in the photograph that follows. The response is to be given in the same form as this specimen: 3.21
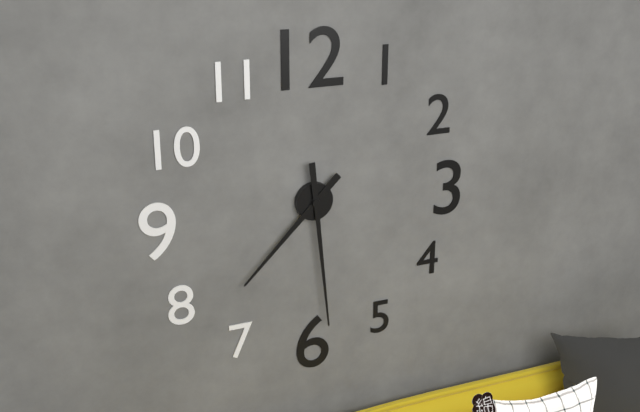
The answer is 7.29
